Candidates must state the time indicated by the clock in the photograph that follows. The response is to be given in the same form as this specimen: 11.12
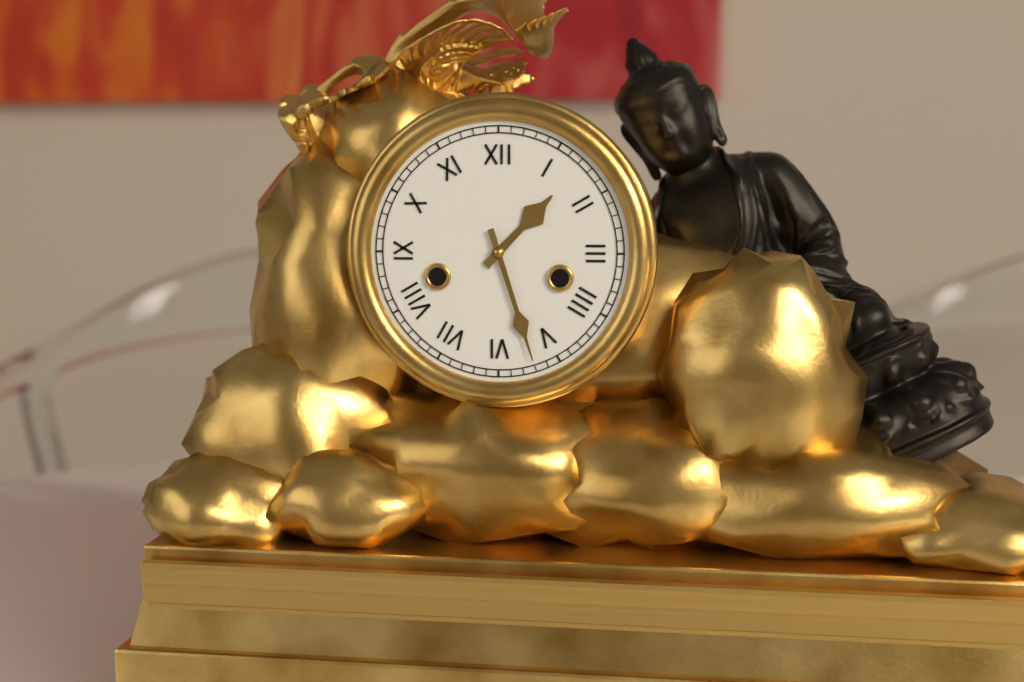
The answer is 1.27
